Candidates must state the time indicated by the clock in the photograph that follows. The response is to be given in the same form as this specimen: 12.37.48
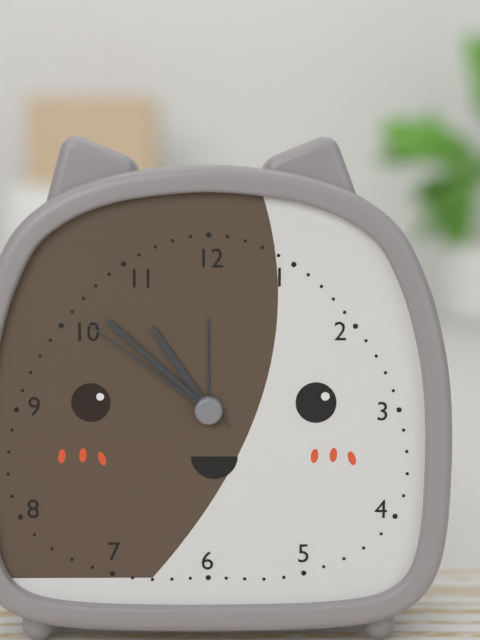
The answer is 10.52.51
